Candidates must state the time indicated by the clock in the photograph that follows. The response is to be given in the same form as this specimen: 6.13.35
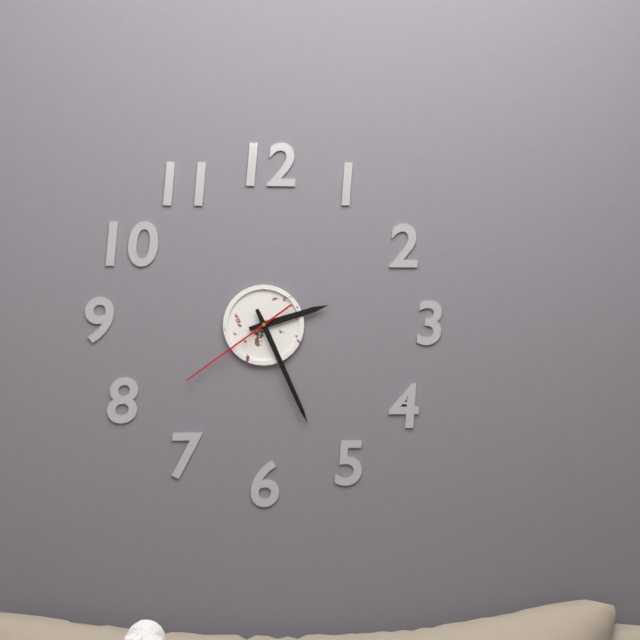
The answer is 2.26.39
